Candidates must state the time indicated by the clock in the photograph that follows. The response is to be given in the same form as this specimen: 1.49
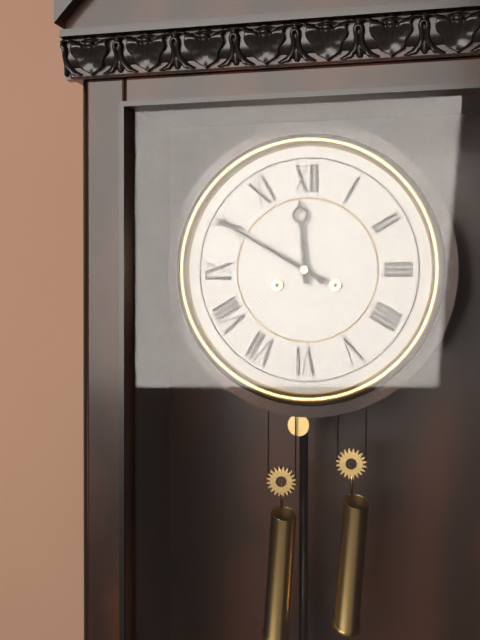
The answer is 11.50
